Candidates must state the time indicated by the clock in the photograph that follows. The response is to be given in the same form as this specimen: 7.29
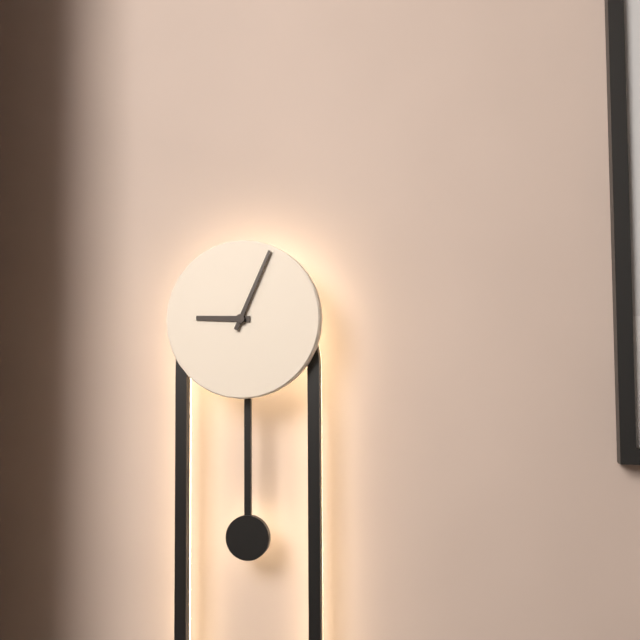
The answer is 9.04
